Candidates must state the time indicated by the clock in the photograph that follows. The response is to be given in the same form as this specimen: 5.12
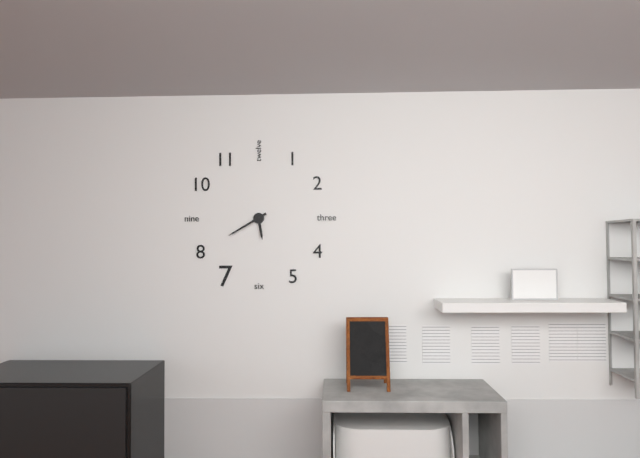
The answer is 5.40
